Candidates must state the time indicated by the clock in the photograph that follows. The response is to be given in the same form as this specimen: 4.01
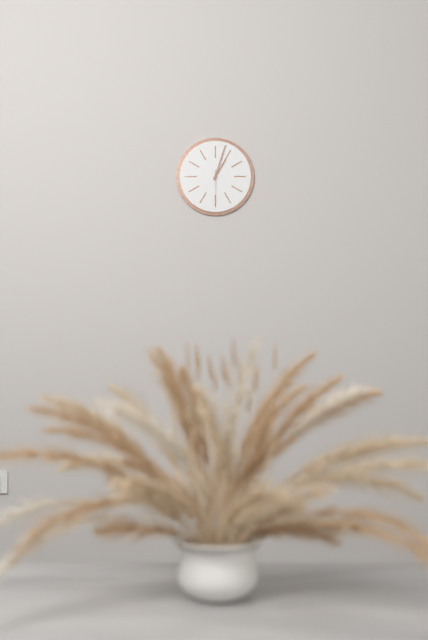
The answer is 1.03
